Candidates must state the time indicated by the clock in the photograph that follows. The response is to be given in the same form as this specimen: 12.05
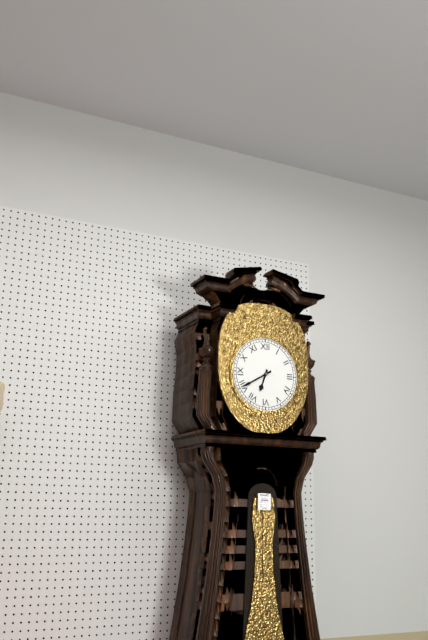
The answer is 6.40
